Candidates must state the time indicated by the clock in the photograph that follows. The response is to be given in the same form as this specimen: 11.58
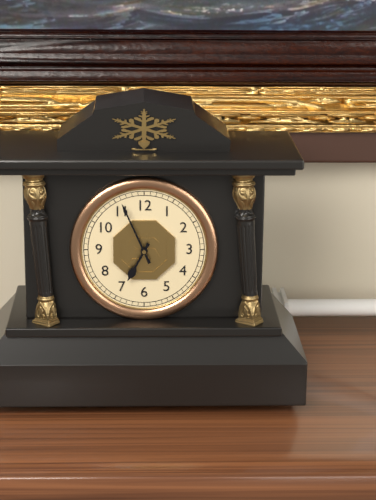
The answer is 6.56
